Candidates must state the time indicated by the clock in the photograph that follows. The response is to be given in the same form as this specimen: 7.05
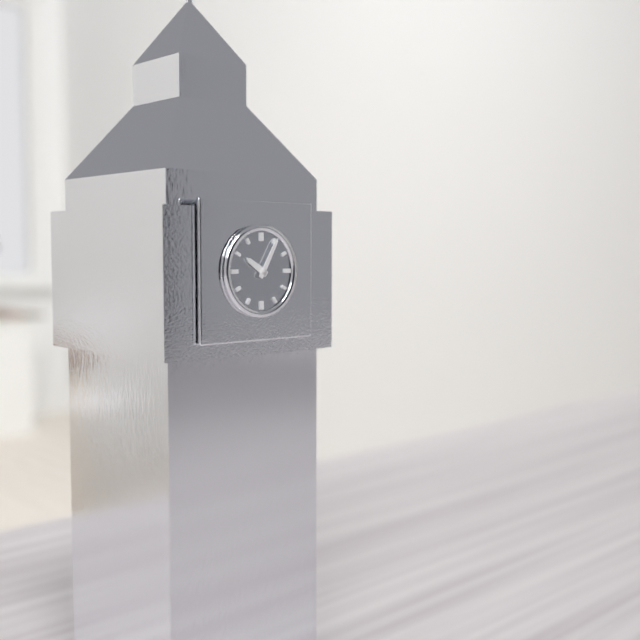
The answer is 10.05
